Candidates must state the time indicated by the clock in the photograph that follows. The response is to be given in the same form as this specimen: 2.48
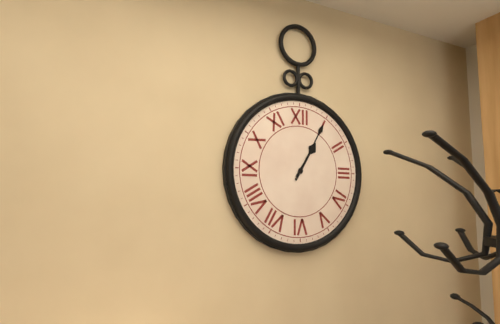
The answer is 1.05
